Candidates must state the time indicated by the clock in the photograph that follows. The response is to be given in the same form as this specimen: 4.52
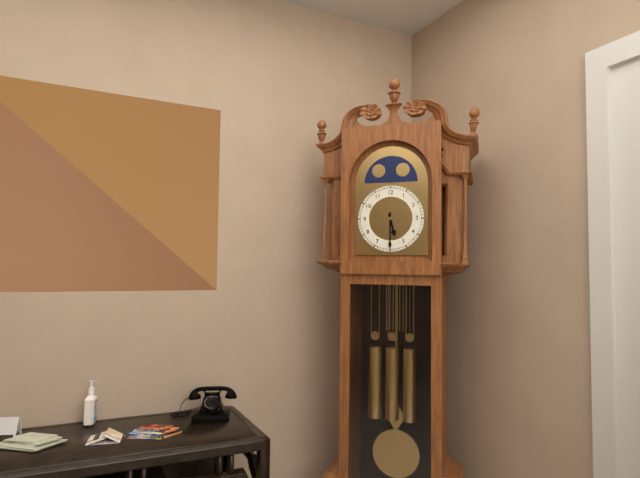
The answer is 5.30
